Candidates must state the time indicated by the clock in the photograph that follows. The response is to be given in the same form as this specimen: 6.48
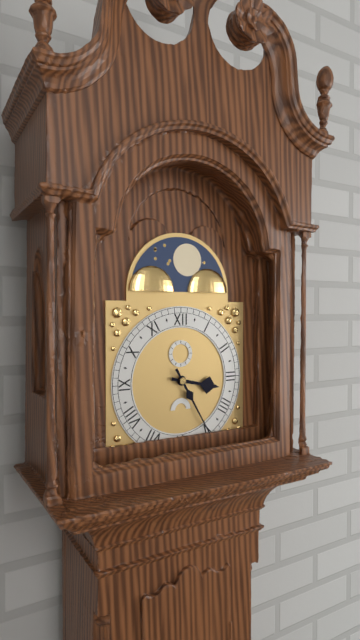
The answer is 3.25
